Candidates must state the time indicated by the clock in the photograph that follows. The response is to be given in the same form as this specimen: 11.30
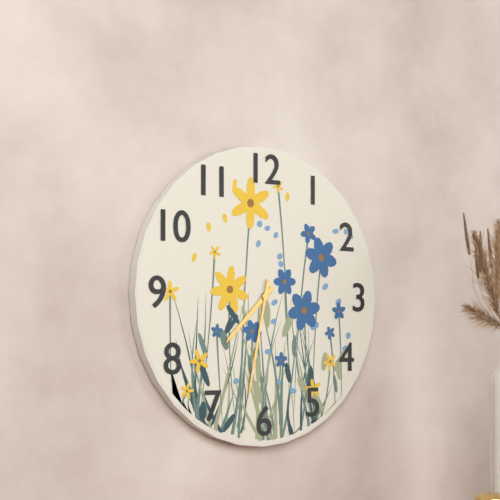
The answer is 7.32
